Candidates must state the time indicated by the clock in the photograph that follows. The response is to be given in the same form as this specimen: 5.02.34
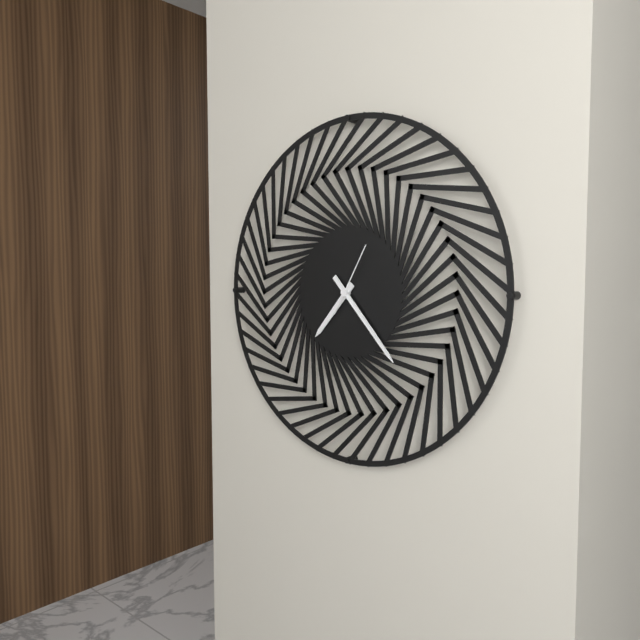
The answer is 7.23.05
